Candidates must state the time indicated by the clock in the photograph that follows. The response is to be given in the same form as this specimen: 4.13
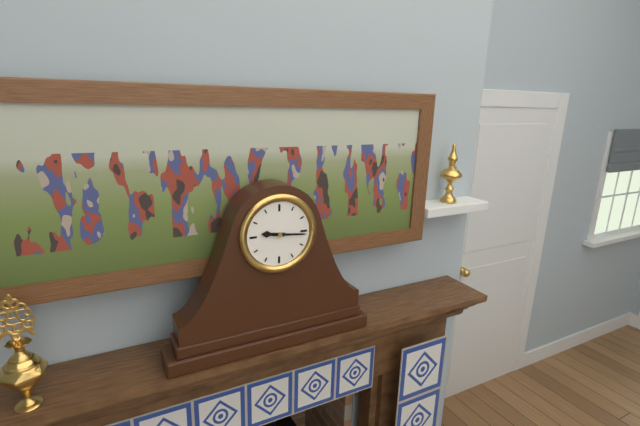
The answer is 9.16
